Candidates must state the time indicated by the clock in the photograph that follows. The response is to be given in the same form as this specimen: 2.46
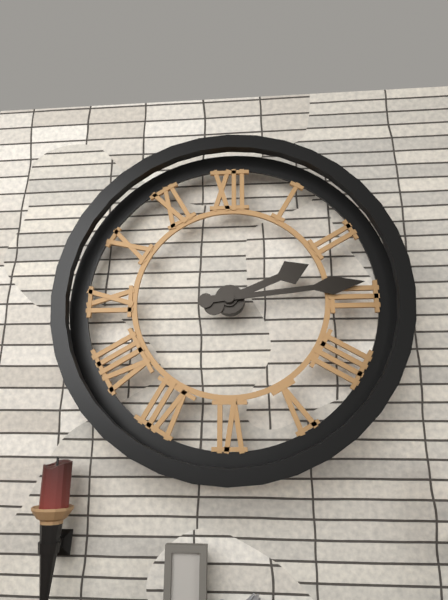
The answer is 2.14
